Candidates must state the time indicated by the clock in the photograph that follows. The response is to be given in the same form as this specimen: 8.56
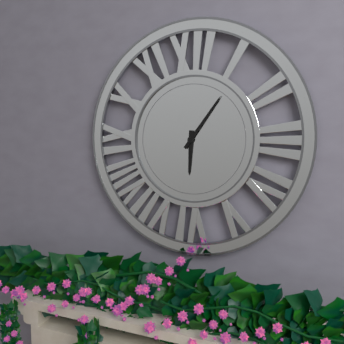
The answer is 6.06
